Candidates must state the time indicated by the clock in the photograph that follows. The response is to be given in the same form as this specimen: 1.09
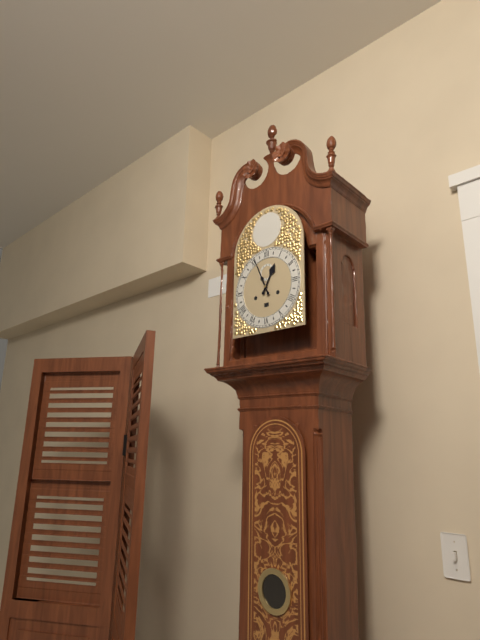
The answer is 12.56
